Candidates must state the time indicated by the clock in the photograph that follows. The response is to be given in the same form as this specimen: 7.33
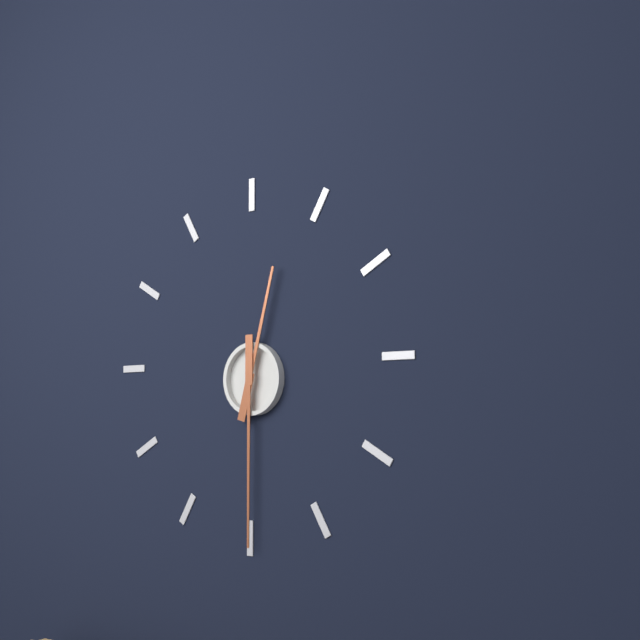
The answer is 12.30
